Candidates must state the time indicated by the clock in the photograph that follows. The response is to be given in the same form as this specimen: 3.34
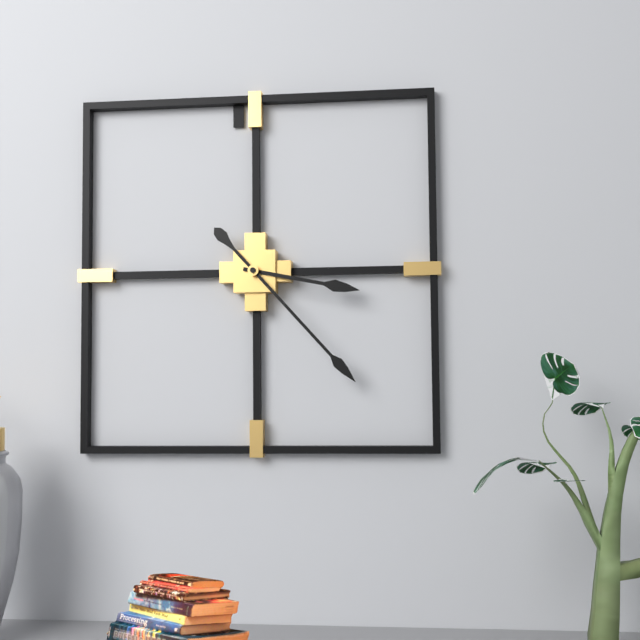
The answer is 3.23
